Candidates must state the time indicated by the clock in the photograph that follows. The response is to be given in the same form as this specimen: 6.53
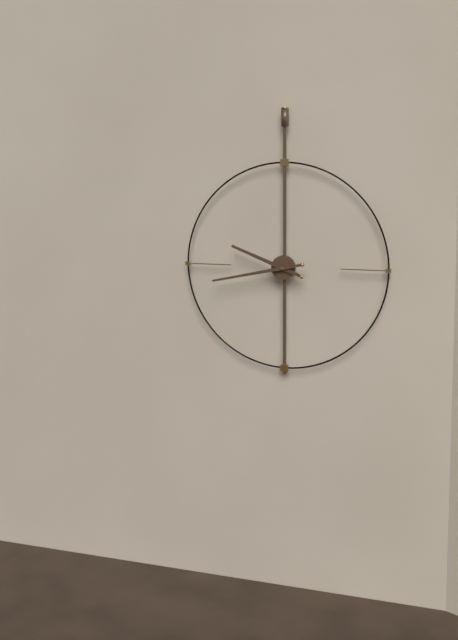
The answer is 9.43
